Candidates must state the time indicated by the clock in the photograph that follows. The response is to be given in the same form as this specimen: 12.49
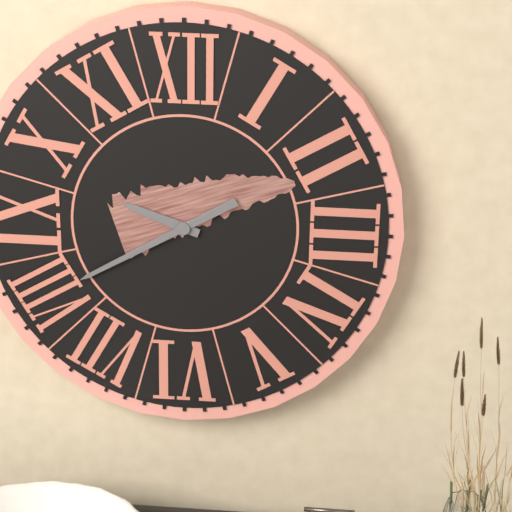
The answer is 9.40
